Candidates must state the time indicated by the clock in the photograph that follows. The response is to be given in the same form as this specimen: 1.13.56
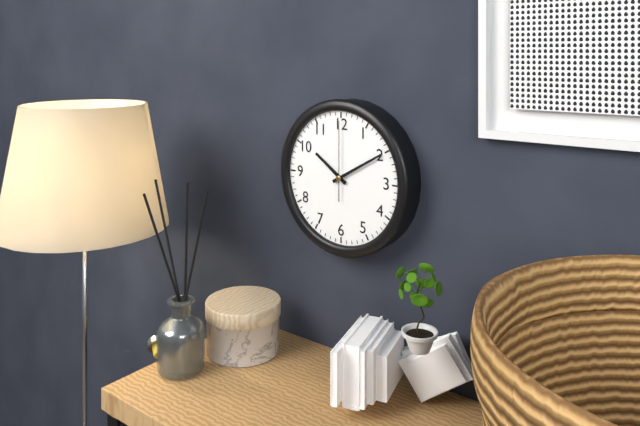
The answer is 10.10.00
